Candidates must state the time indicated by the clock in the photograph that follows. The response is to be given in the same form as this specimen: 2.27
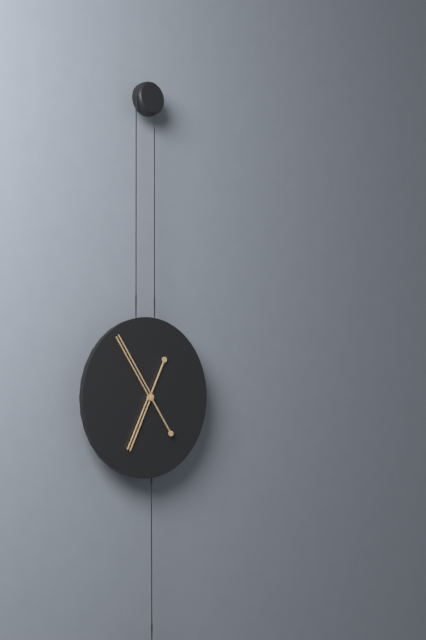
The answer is 6.54
